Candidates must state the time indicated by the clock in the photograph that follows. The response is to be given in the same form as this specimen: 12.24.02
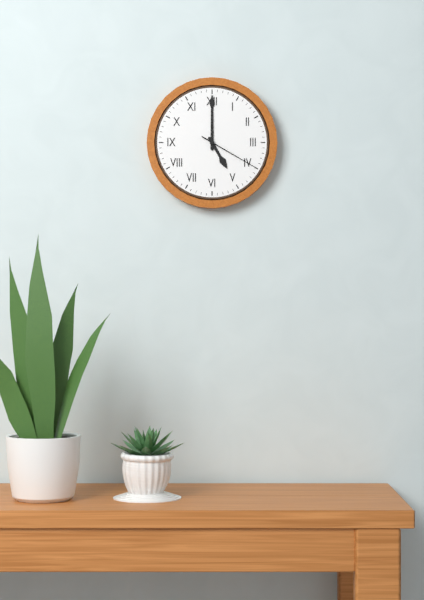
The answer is 5.00.20
